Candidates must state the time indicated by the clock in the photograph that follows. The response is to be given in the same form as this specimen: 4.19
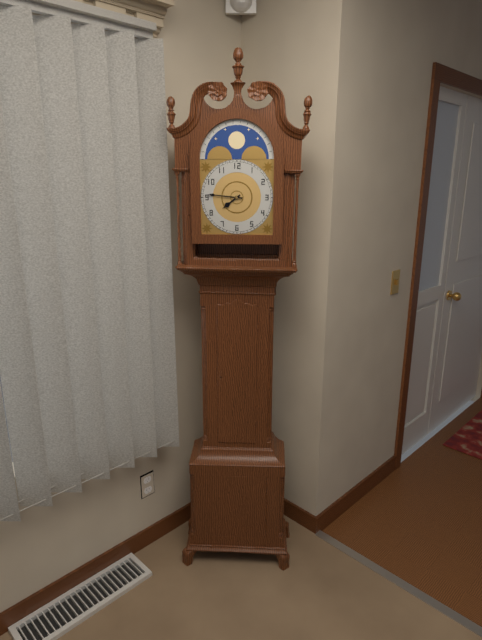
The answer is 7.46
